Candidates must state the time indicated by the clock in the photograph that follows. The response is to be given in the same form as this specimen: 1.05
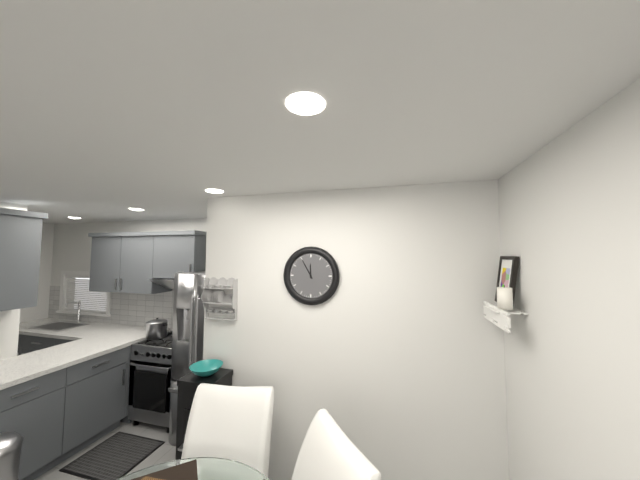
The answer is 11.55
